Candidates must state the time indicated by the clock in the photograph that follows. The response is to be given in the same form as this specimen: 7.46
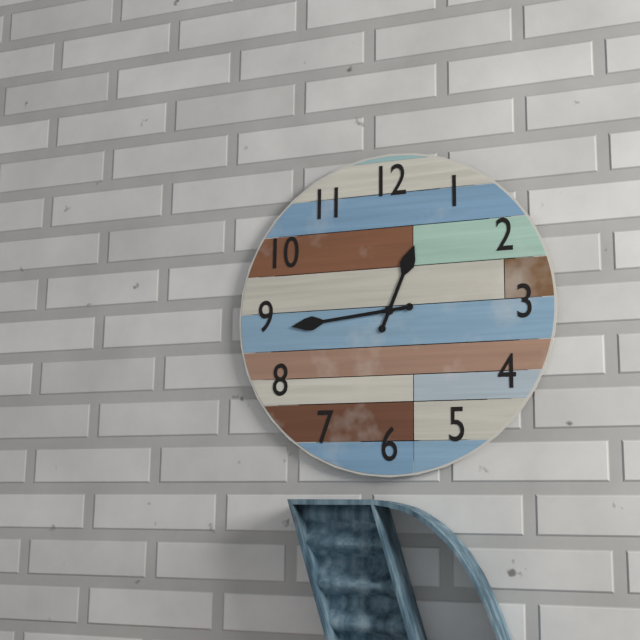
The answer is 12.44
